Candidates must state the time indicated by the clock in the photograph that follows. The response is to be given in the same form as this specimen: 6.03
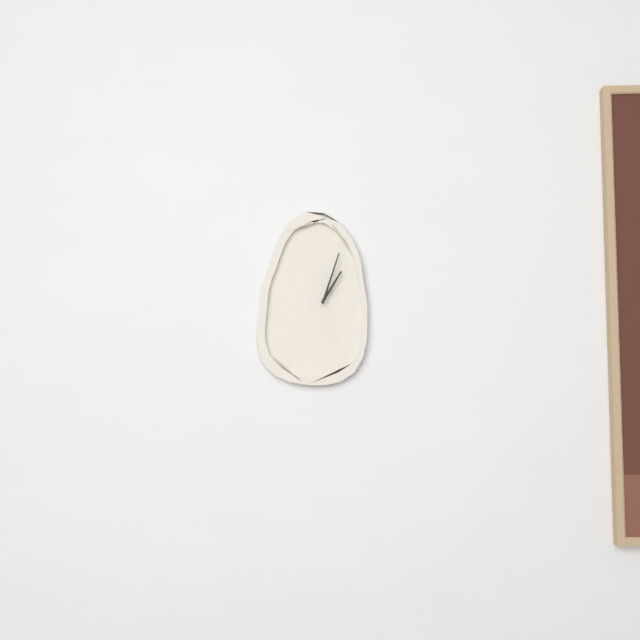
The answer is 1.03
